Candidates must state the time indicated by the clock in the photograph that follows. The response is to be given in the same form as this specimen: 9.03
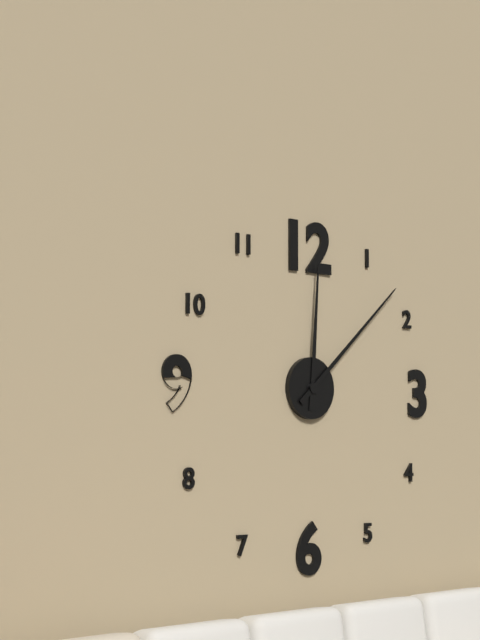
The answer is 12.08
